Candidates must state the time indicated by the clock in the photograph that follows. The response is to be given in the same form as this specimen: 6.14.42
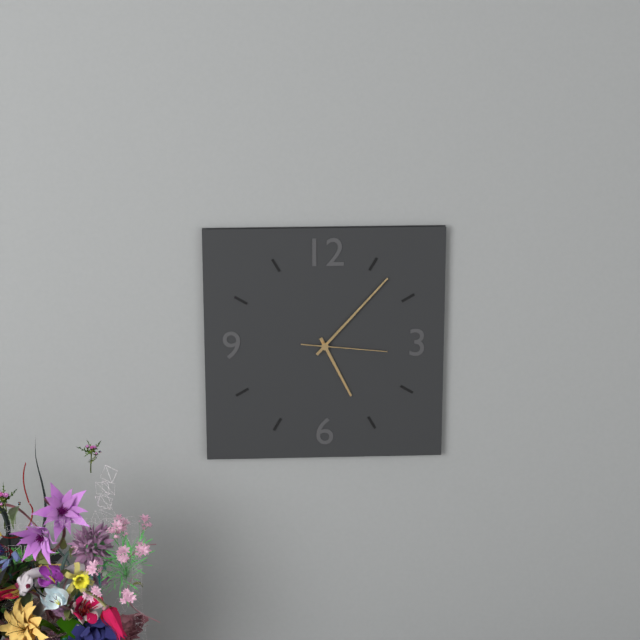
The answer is 5.07.16
